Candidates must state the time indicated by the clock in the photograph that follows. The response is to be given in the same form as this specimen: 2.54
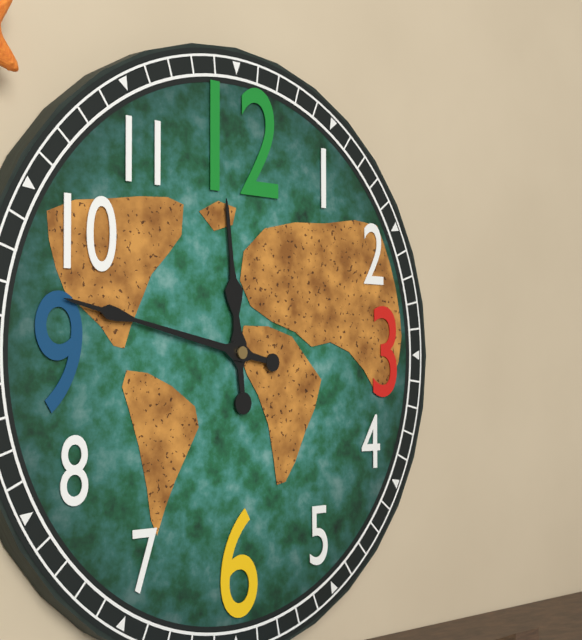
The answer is 11.47
